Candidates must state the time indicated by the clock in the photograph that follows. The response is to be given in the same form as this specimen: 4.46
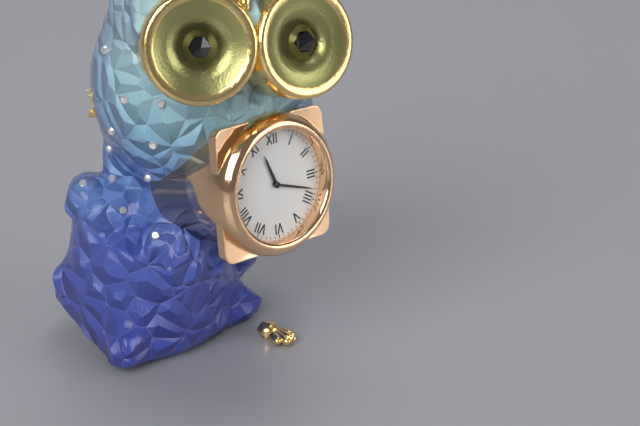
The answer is 11.18
